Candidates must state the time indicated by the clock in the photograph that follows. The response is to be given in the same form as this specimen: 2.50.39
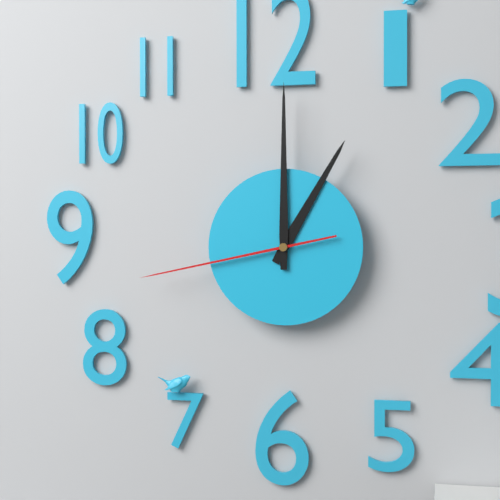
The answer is 1.00.43
